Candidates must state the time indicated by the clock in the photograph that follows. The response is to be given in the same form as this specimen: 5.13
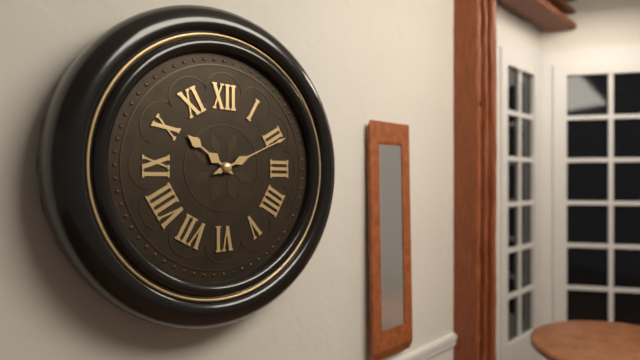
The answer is 10.11
